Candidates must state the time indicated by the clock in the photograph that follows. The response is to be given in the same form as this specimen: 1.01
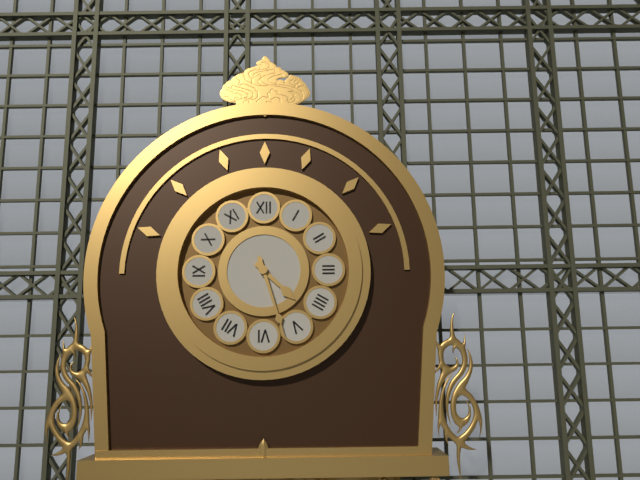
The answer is 4.27
